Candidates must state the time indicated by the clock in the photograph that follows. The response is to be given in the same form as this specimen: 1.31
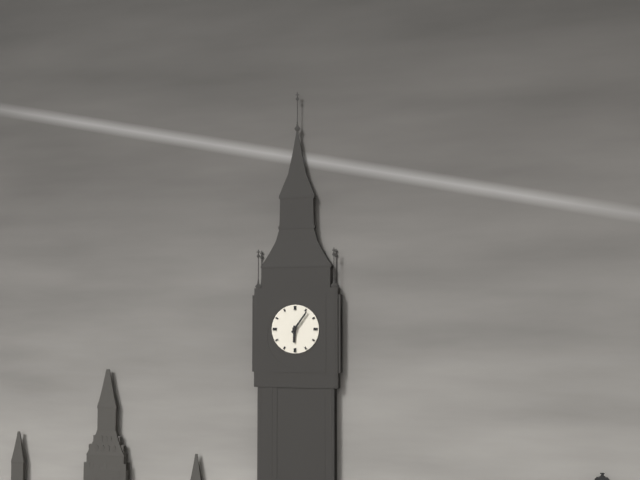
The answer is 6.06
